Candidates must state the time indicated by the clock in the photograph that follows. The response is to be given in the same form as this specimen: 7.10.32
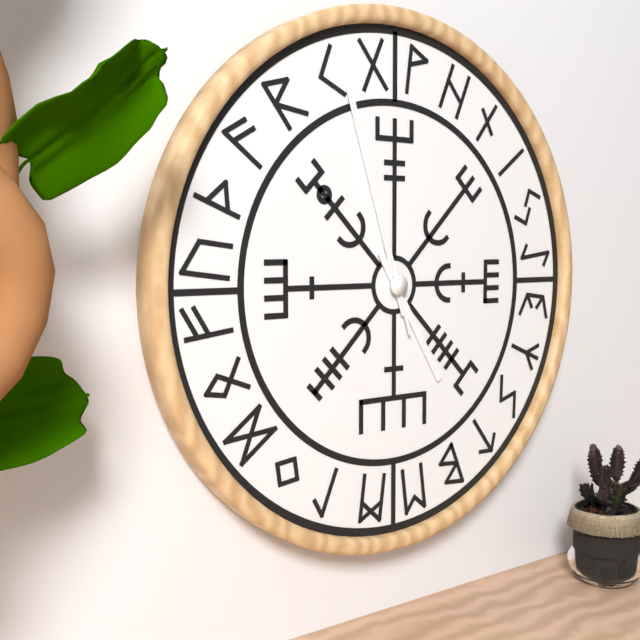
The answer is 4.57.57
